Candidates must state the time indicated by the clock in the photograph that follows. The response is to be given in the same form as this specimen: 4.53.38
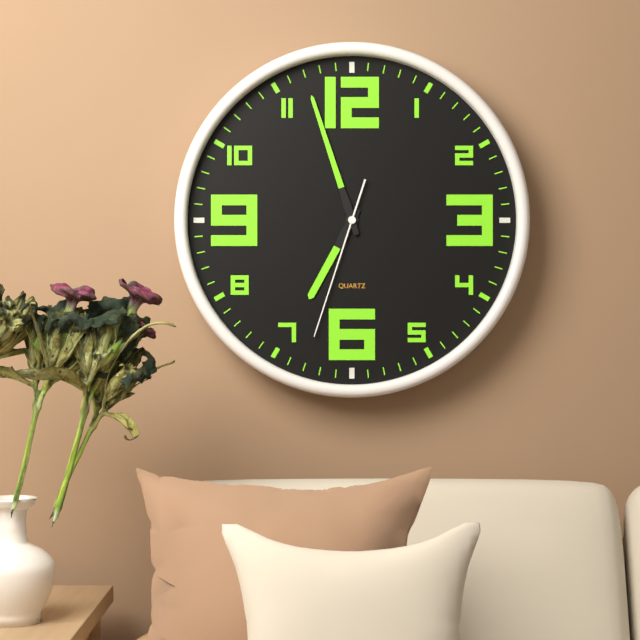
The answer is 6.57.33
